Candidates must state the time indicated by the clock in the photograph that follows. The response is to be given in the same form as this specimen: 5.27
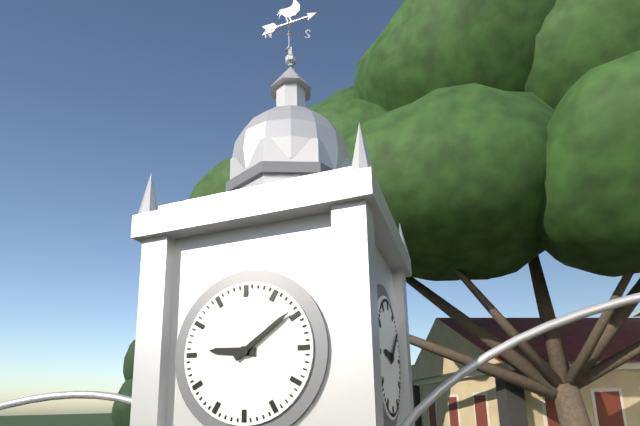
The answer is 9.09
